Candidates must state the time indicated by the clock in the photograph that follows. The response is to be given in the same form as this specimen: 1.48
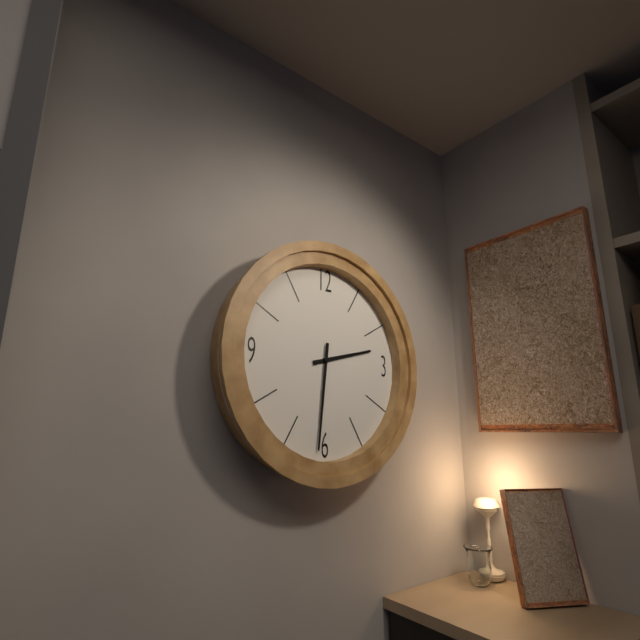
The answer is 2.31
